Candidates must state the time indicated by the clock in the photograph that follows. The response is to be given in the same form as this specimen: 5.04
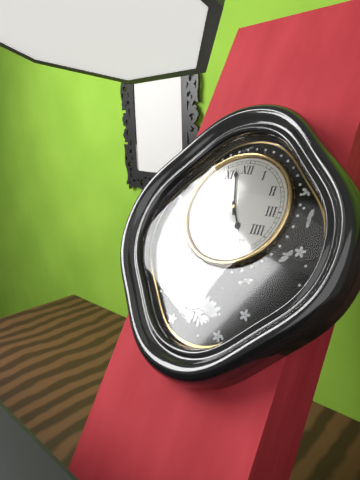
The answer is 4.57
